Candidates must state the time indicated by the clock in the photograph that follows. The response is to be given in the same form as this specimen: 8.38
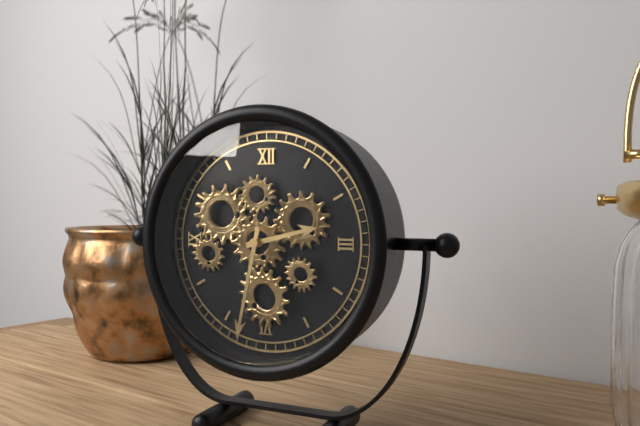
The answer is 2.32
